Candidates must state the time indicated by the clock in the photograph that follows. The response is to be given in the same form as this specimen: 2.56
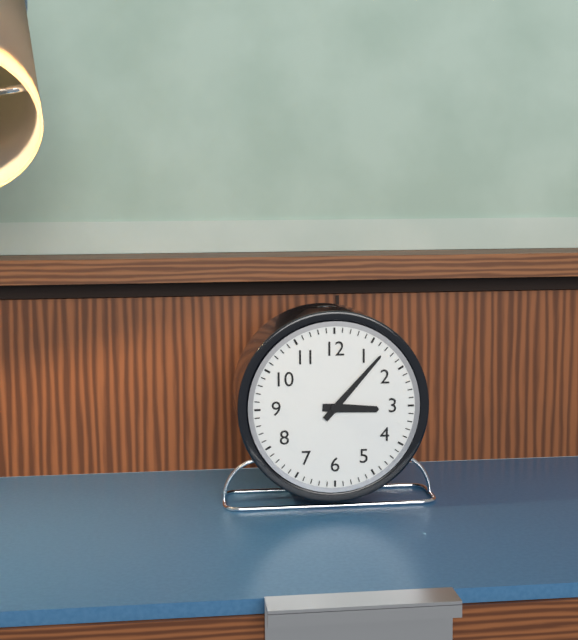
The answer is 3.07
